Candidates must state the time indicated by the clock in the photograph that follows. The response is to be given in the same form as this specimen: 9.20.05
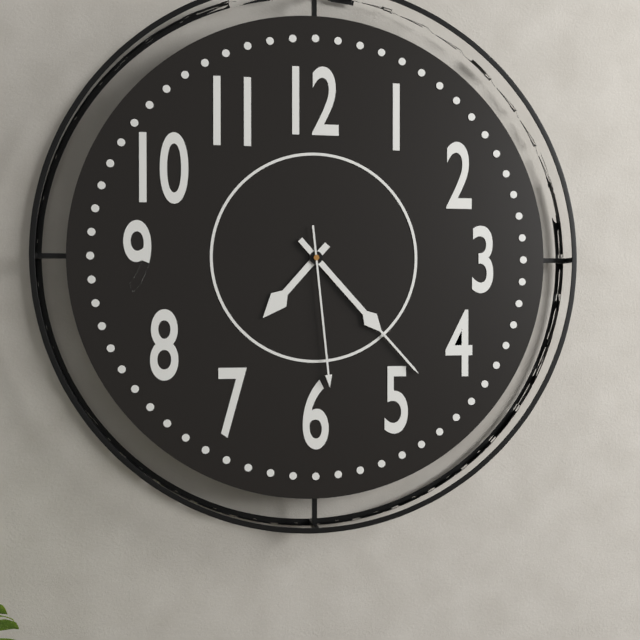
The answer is 7.23.29
